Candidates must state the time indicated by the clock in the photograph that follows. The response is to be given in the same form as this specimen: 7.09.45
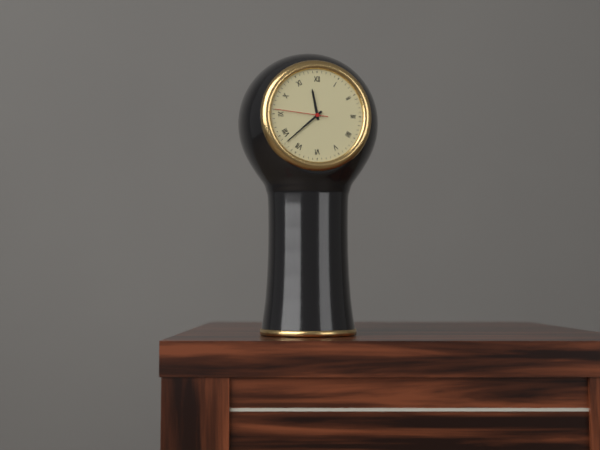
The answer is 11.38.46
